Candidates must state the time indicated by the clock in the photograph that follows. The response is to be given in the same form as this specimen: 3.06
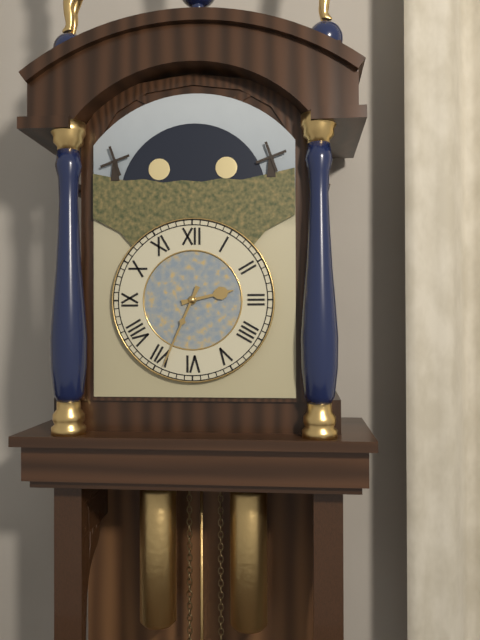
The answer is 2.34
